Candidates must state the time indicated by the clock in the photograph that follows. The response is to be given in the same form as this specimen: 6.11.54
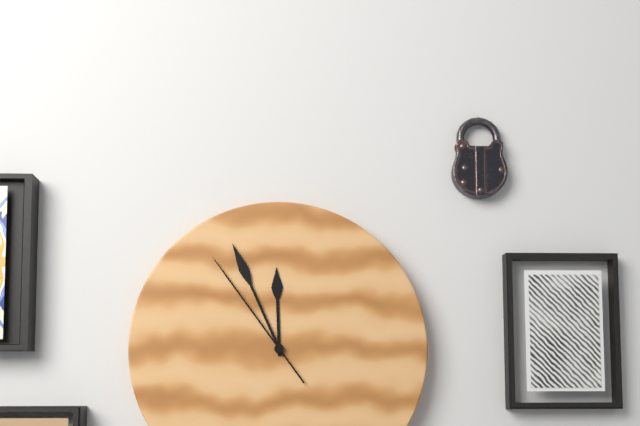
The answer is 11.56.54
